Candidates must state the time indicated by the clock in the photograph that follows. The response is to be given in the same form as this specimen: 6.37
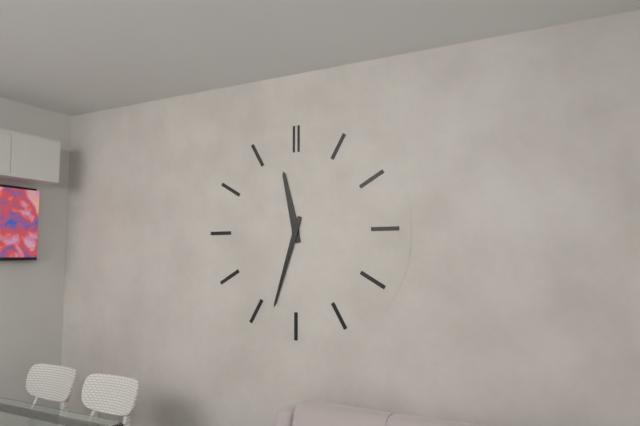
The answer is 11.33
